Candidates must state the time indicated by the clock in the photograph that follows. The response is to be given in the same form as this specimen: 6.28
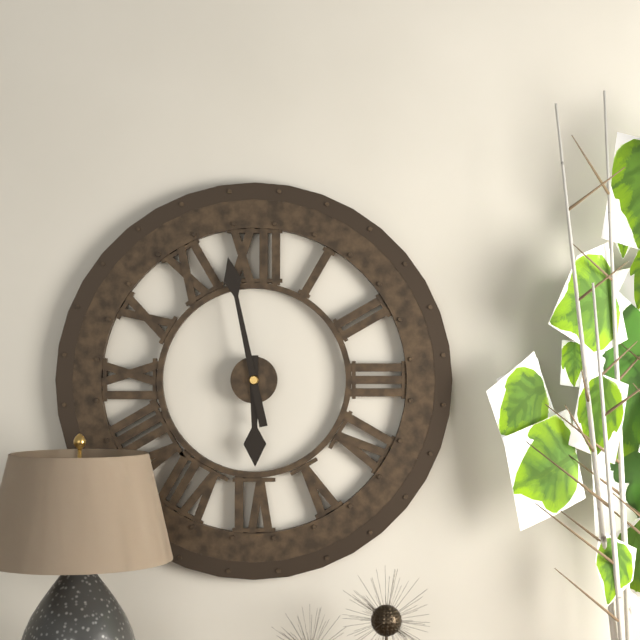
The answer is 5.58
